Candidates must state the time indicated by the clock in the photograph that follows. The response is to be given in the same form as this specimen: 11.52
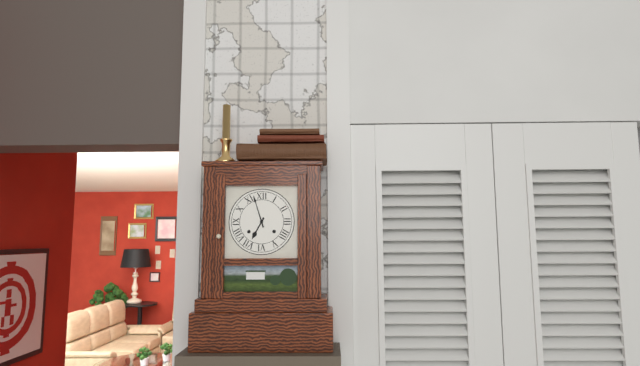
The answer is 6.57
